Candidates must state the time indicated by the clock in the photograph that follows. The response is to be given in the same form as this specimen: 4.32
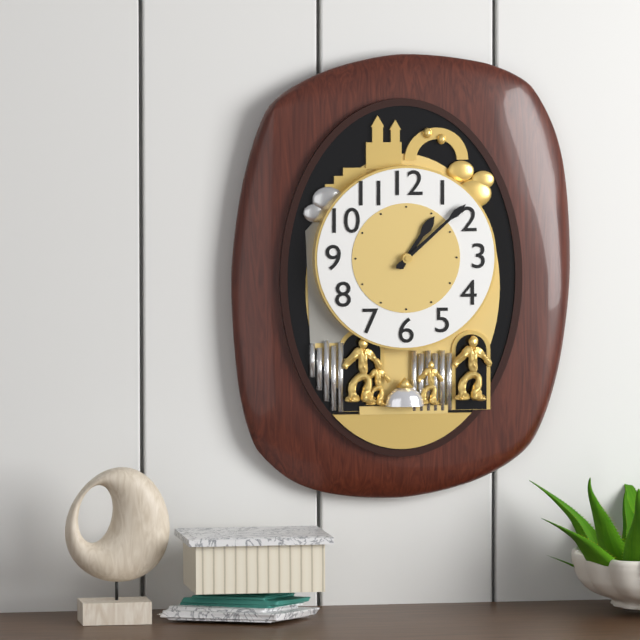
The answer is 1.08
